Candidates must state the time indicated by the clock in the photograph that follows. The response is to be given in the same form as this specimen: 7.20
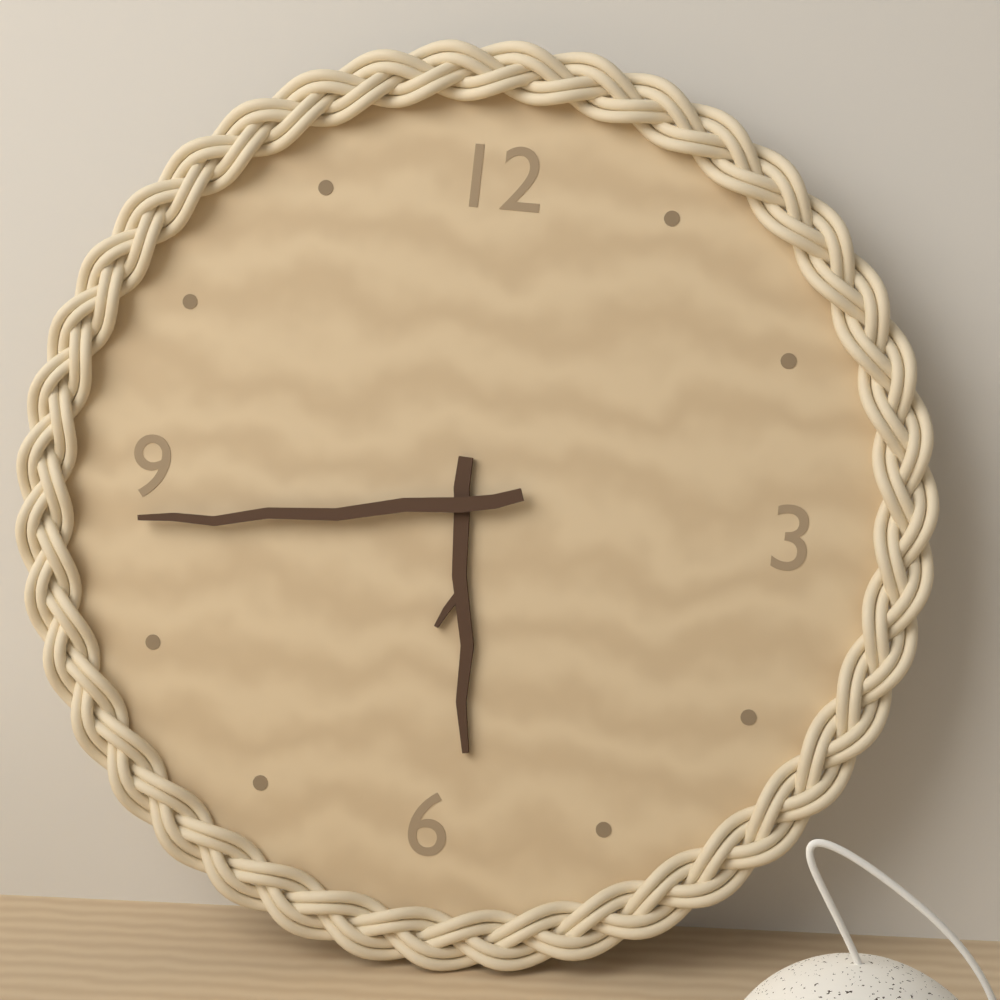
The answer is 5.43
